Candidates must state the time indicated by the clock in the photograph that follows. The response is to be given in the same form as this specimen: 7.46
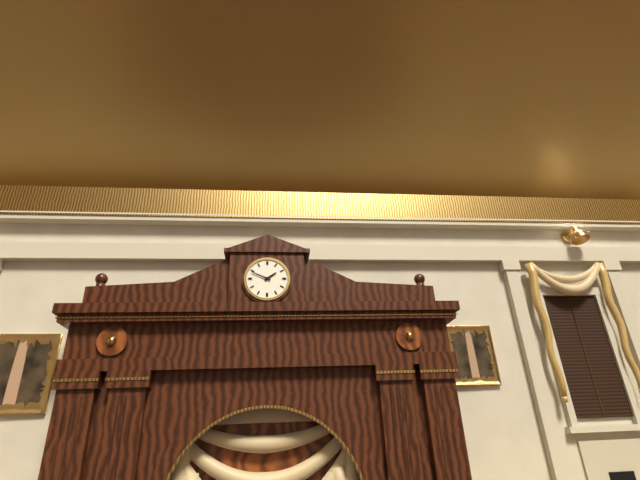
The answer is 1.49
